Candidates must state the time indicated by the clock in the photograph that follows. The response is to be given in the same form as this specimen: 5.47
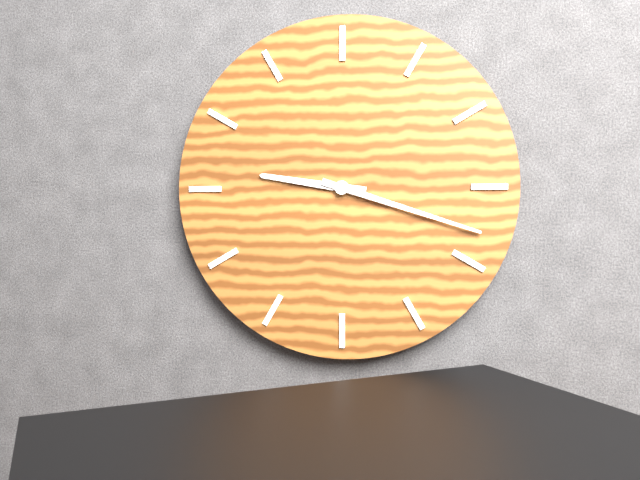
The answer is 9.18
